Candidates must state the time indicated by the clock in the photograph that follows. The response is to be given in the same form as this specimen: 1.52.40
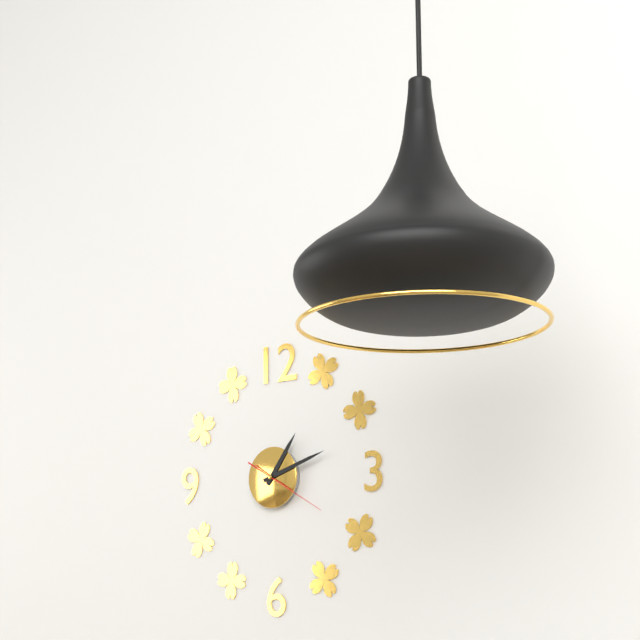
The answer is 1.12.20
